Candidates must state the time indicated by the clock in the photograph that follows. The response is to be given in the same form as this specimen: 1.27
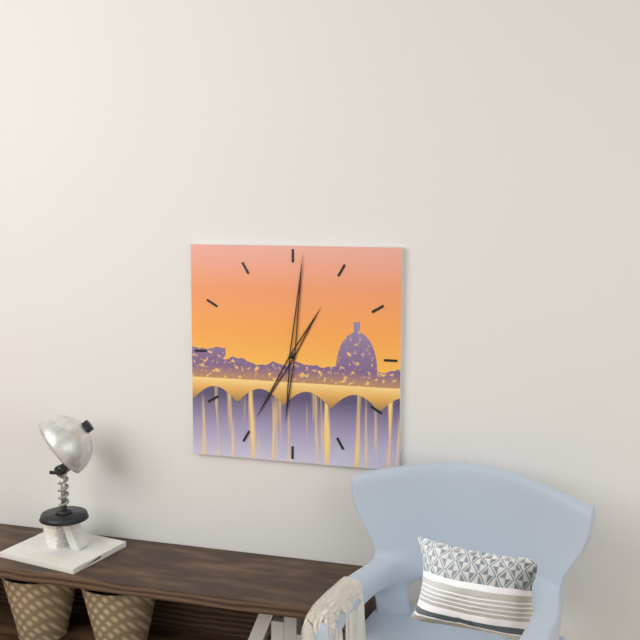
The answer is 7.01
